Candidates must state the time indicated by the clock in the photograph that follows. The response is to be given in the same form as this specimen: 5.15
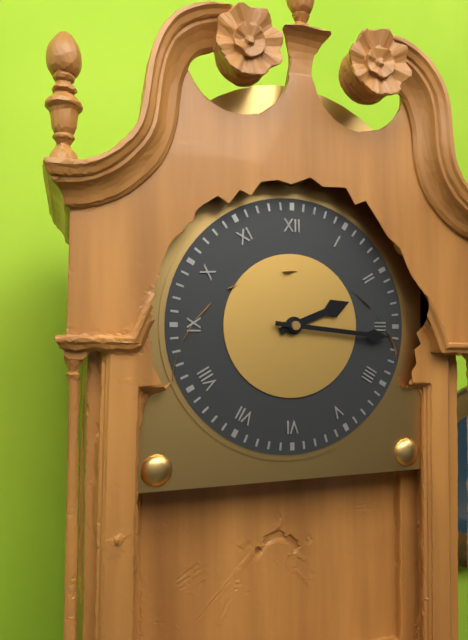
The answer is 2.16
